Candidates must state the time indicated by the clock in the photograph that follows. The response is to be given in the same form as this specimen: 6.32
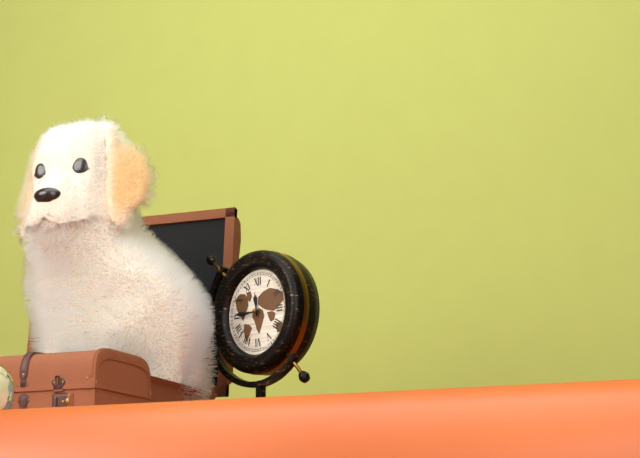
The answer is 11.45
